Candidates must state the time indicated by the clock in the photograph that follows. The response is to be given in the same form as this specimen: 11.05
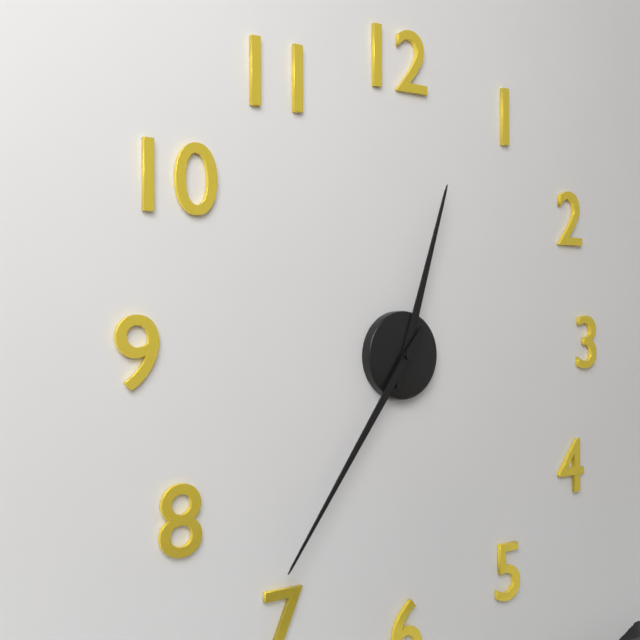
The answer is 12.36
